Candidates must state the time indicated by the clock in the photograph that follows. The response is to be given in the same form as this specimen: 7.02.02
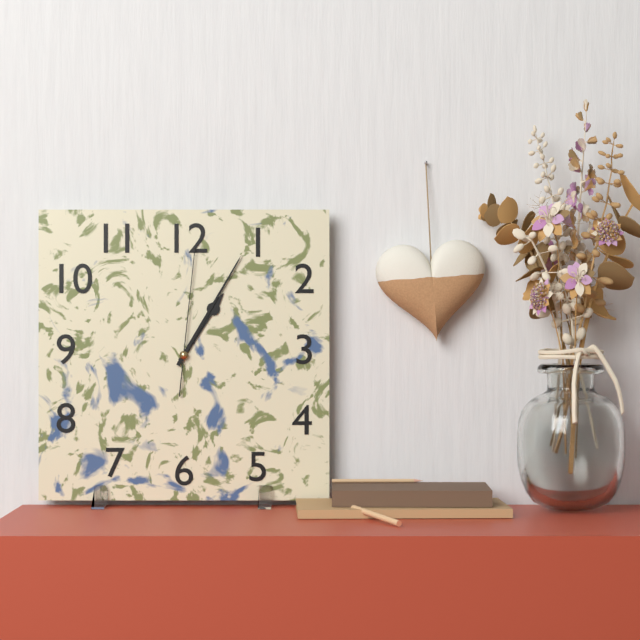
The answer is 1.05.01
